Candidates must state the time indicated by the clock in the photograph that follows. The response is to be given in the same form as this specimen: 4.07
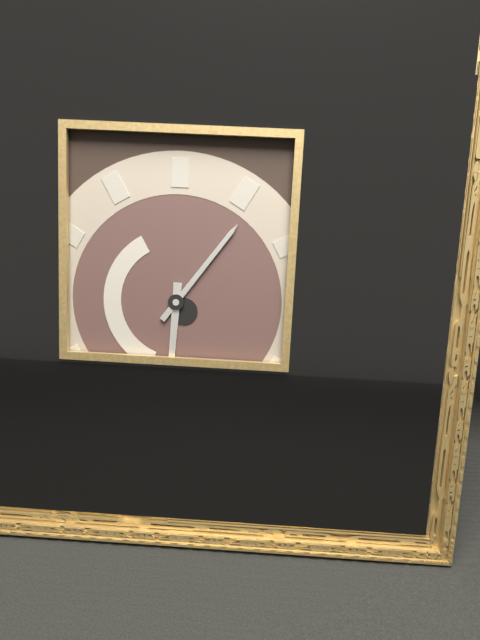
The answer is 6.06
